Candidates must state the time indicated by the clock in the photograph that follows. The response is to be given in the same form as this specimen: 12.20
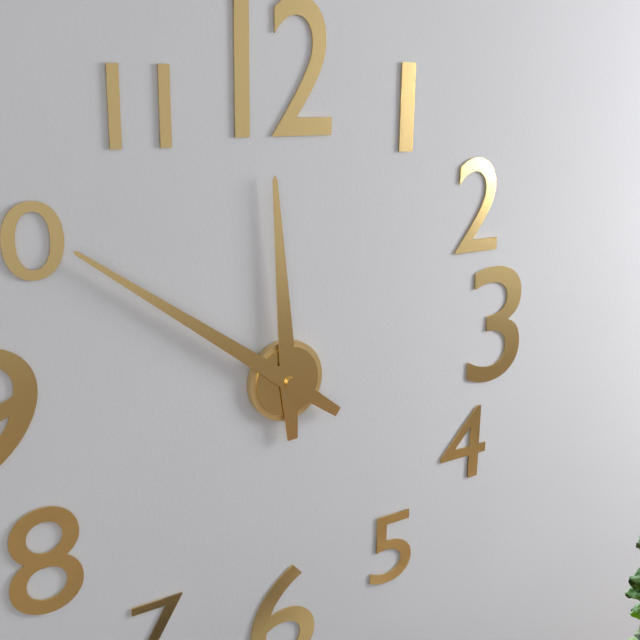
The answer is 11.51
